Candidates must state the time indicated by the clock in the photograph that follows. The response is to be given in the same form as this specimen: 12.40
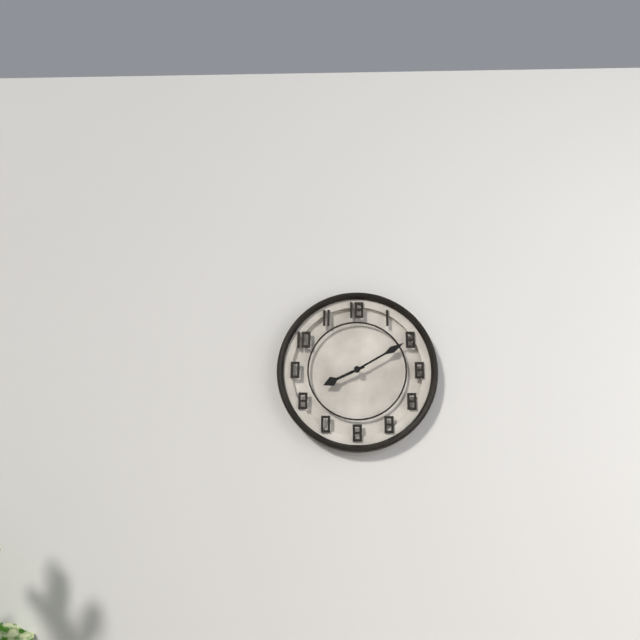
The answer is 8.10
